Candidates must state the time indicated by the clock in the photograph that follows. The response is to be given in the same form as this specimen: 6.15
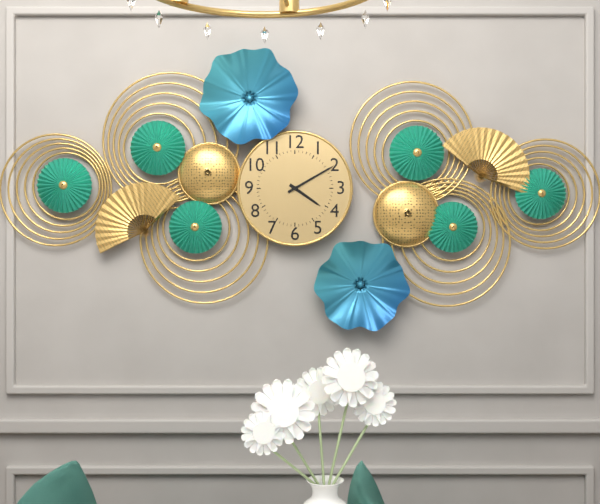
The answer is 4.10
